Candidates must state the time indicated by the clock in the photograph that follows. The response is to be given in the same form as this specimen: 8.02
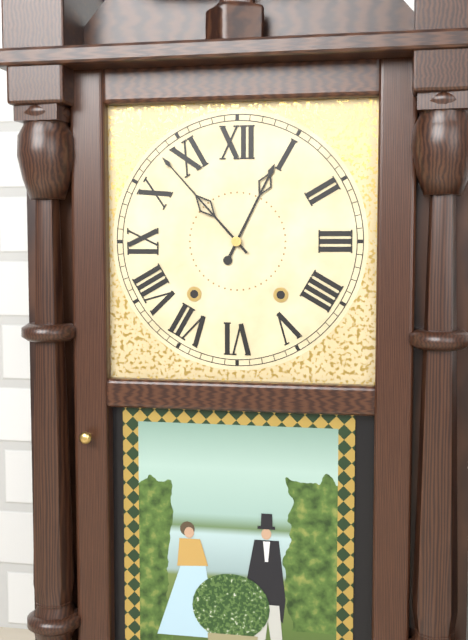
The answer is 12.53
